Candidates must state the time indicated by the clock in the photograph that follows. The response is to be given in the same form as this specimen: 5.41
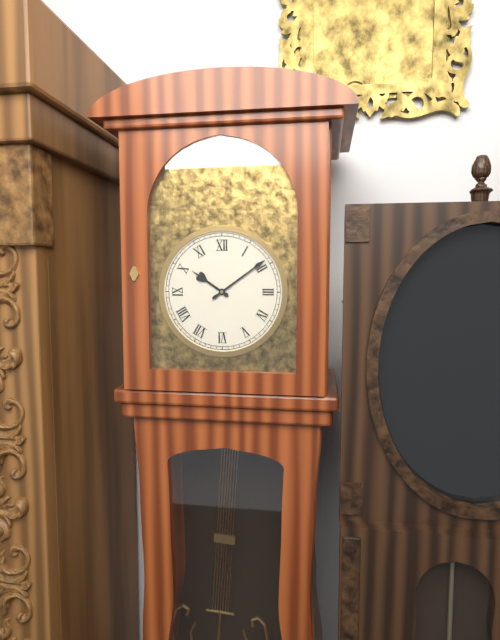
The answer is 10.09
